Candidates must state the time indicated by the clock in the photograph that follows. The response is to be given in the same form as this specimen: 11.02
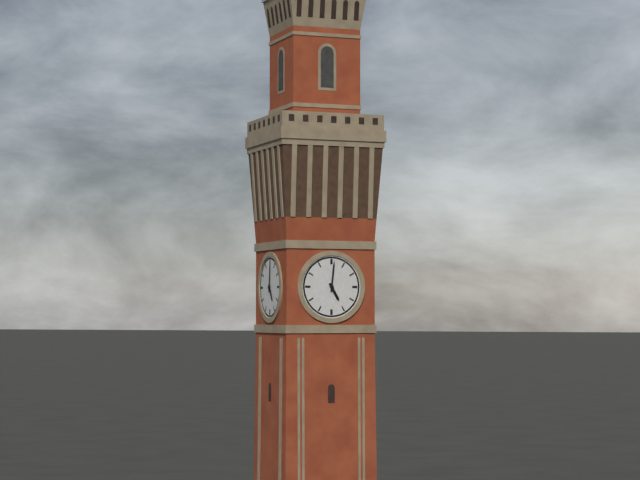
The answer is 5.01
